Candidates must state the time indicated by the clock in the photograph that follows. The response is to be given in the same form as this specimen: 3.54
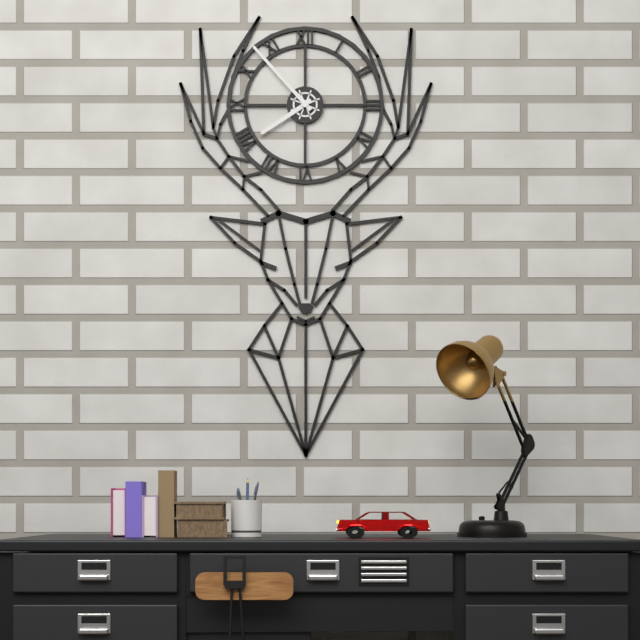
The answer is 7.53
